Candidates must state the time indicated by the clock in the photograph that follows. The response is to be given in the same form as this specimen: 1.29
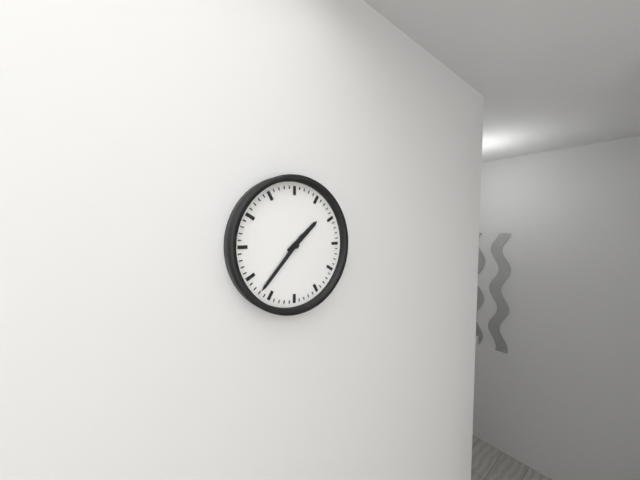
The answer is 1.37
